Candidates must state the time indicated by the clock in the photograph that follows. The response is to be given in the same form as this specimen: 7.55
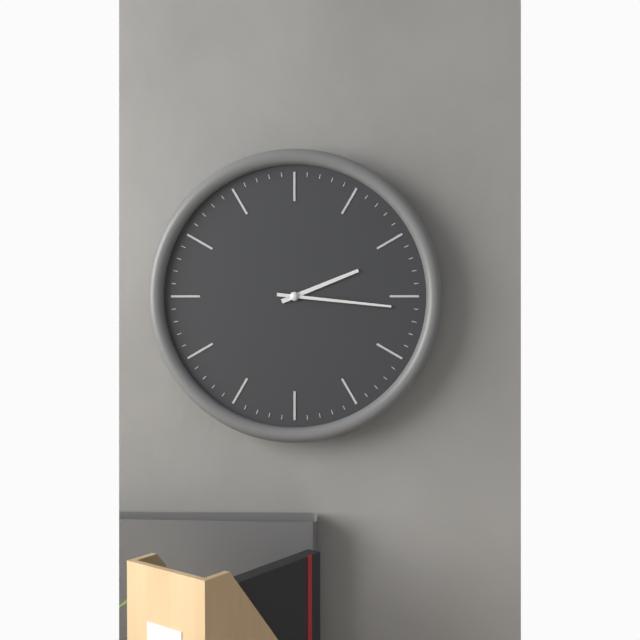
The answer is 2.16
